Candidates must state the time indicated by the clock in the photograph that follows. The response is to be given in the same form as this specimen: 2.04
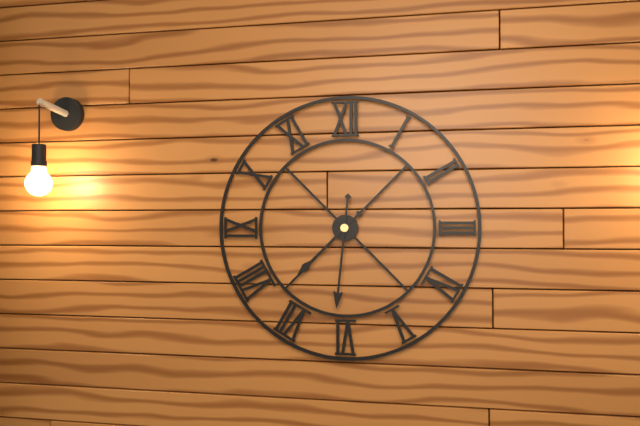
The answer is 7.31
